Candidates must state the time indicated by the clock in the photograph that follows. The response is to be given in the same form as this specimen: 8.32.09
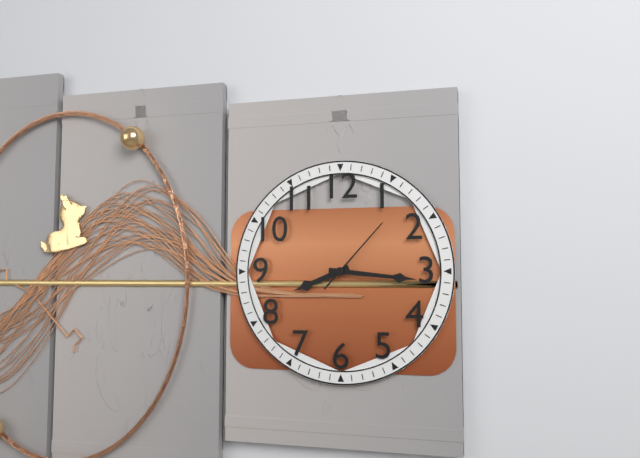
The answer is 8.16.07
